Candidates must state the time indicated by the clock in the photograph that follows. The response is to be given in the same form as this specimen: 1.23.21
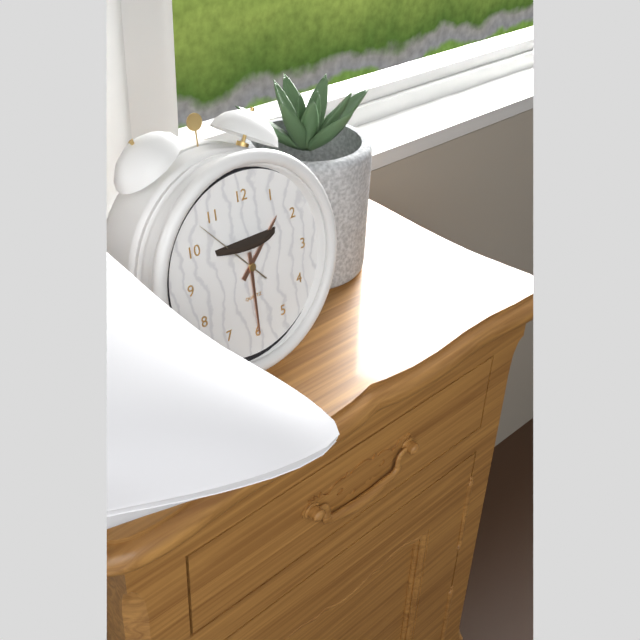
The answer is 1.30.53
